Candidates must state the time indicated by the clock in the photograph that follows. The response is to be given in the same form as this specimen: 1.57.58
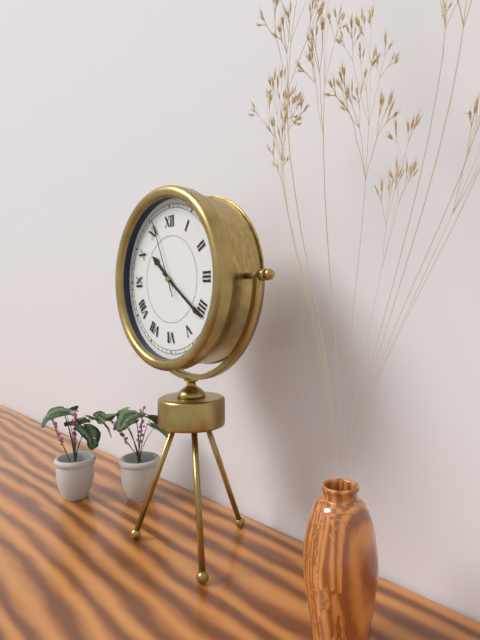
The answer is 10.21.56
